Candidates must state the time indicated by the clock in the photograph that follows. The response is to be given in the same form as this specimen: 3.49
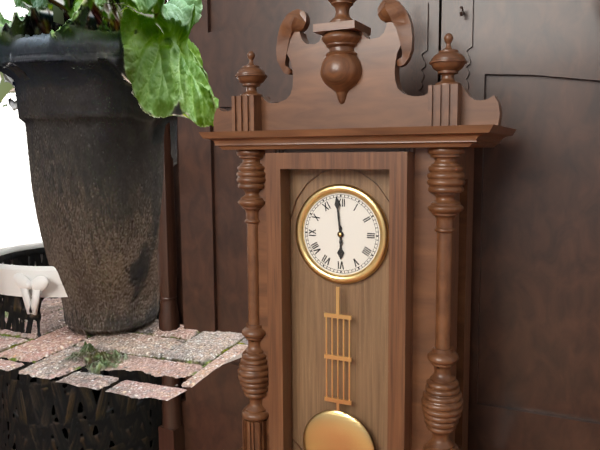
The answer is 5.59
